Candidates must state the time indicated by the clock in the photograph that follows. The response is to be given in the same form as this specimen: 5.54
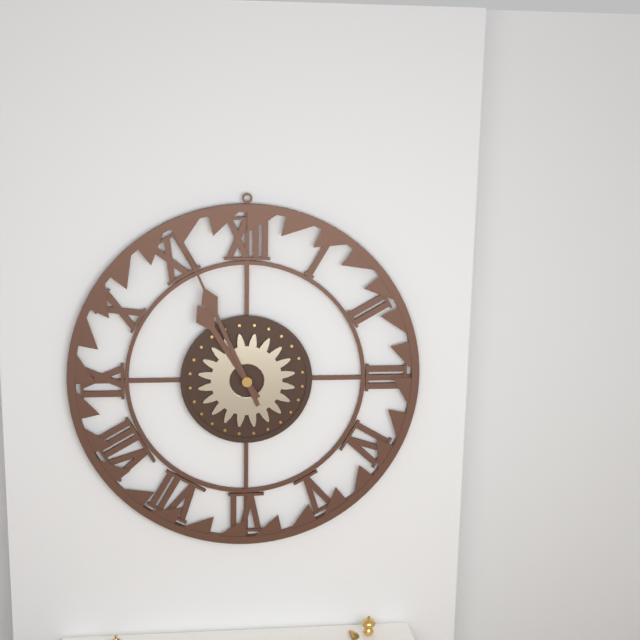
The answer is 10.56
